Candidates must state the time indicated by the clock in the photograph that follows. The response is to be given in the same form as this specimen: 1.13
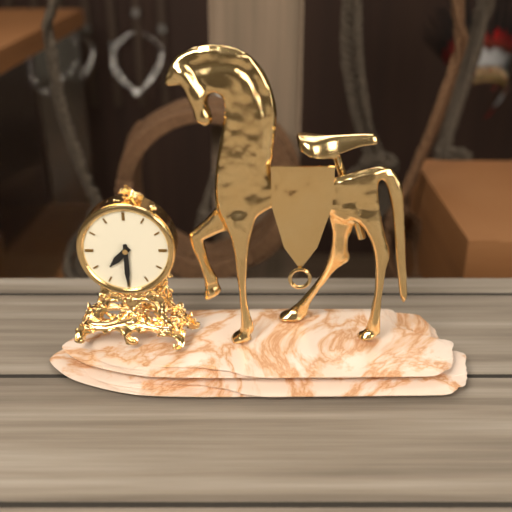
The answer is 7.30
